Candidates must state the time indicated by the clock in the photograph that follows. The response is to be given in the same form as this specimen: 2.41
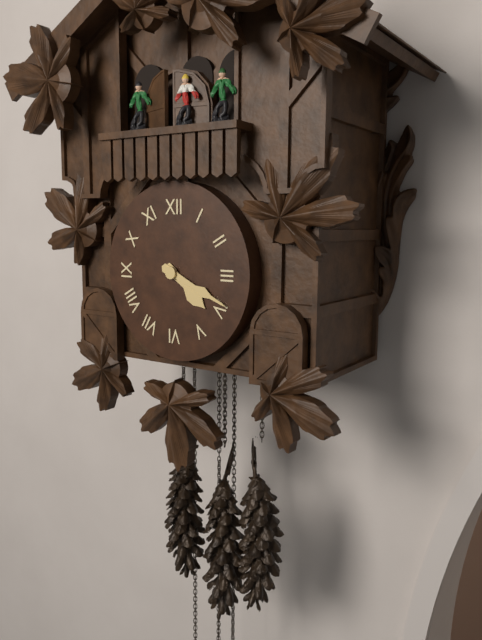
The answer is 4.19
